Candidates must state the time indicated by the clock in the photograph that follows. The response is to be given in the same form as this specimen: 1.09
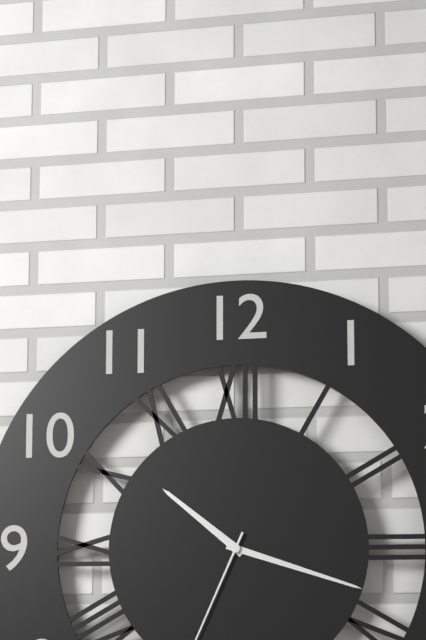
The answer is 10.18
